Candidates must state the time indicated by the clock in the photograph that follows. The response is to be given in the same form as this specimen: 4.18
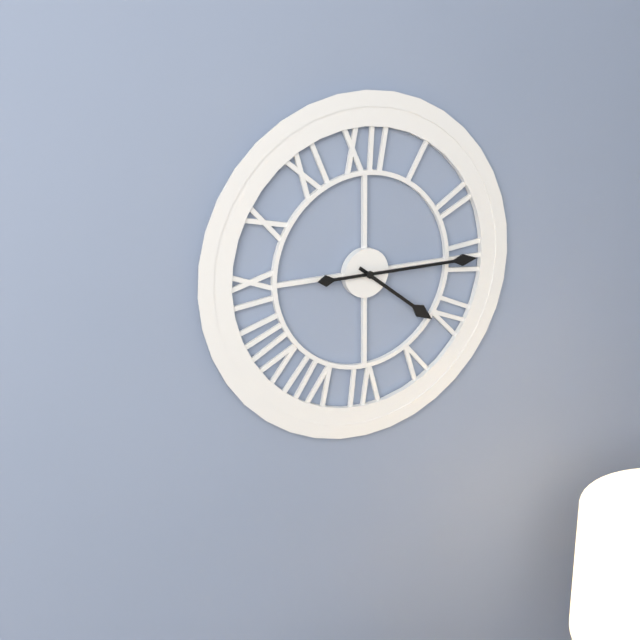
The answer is 4.15
